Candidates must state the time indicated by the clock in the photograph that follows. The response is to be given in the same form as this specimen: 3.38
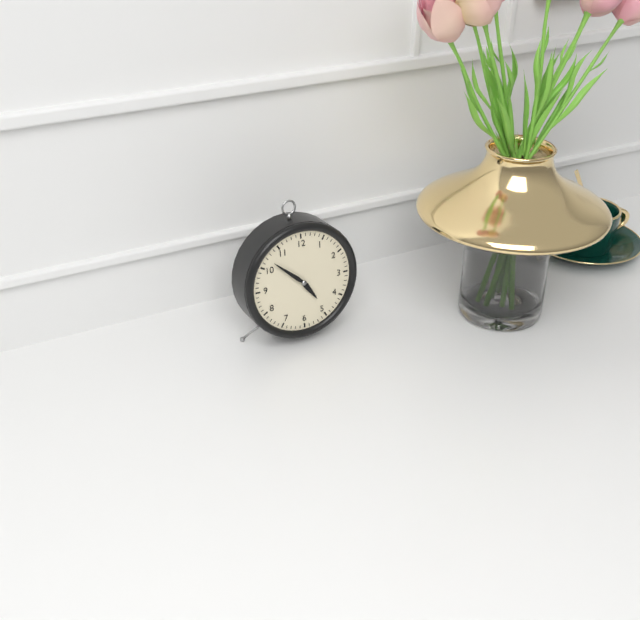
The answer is 4.52
